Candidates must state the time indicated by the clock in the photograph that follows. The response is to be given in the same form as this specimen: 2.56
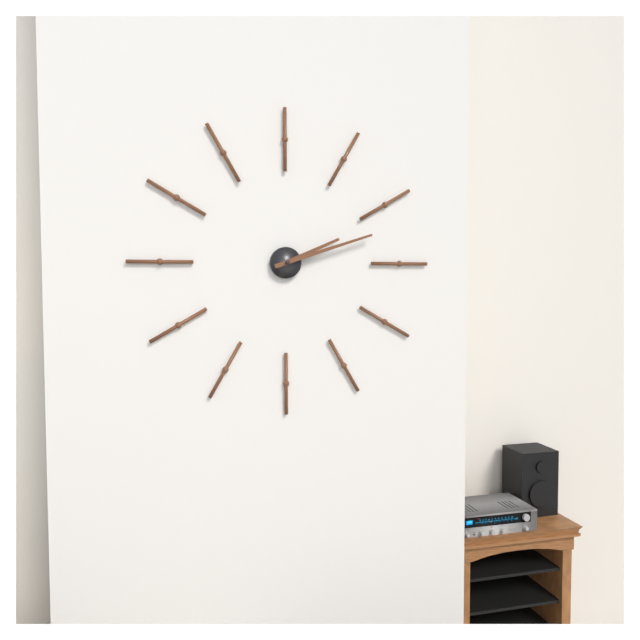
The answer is 2.12
